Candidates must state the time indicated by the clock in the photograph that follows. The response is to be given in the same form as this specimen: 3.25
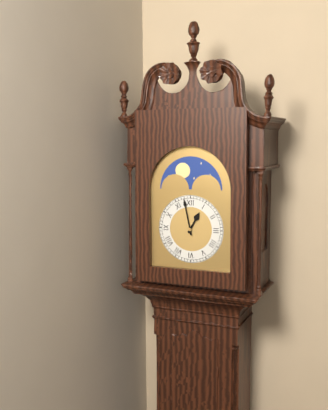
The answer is 12.58
